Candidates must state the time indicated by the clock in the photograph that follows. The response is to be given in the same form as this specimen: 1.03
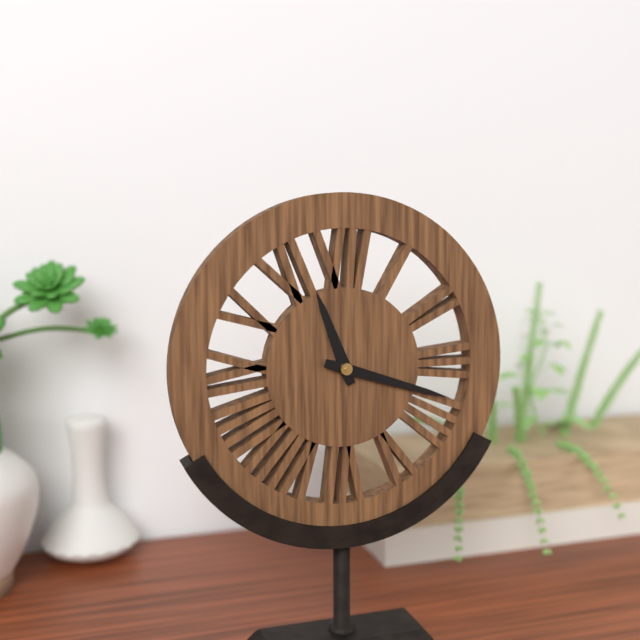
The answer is 11.18
